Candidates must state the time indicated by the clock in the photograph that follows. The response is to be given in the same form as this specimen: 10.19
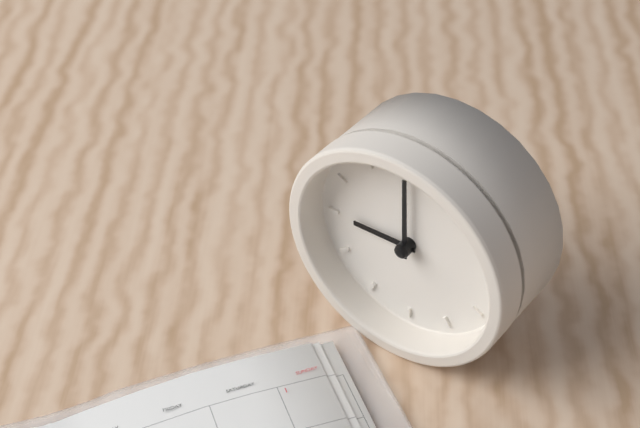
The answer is 9.00
